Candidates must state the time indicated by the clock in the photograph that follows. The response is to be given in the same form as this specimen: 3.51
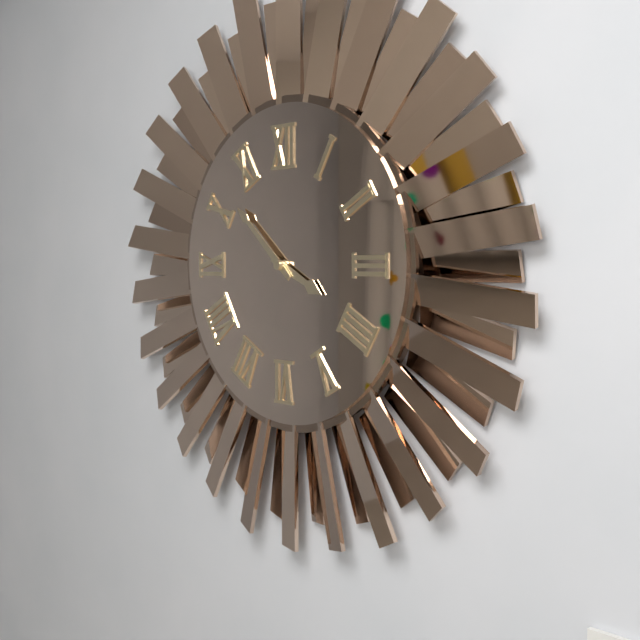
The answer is 3.52
